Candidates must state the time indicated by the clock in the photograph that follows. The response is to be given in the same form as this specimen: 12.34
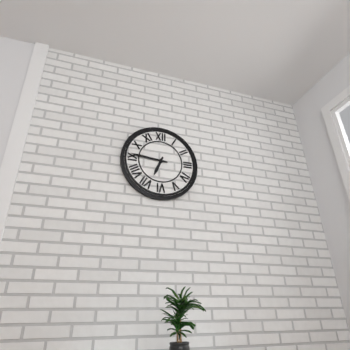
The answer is 6.46
